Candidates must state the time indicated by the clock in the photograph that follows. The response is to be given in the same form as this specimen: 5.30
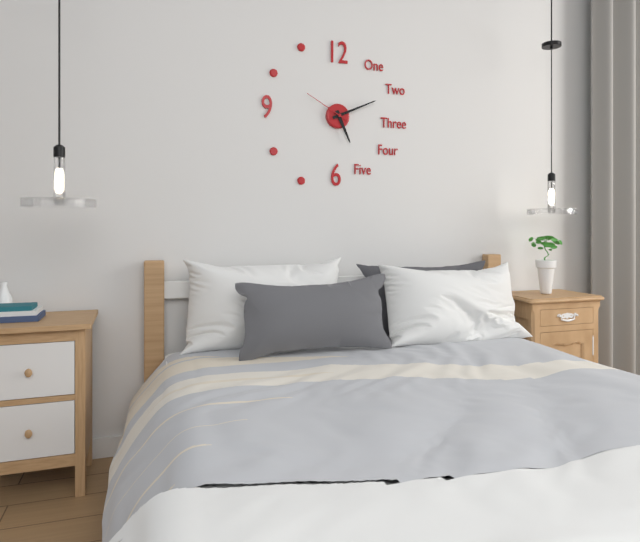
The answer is 5.11
